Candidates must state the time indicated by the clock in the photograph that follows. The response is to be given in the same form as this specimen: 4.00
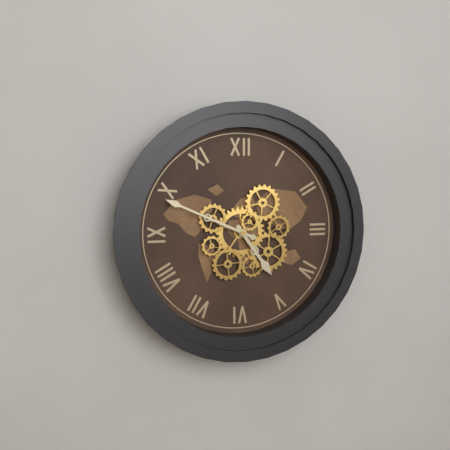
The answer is 4.49
